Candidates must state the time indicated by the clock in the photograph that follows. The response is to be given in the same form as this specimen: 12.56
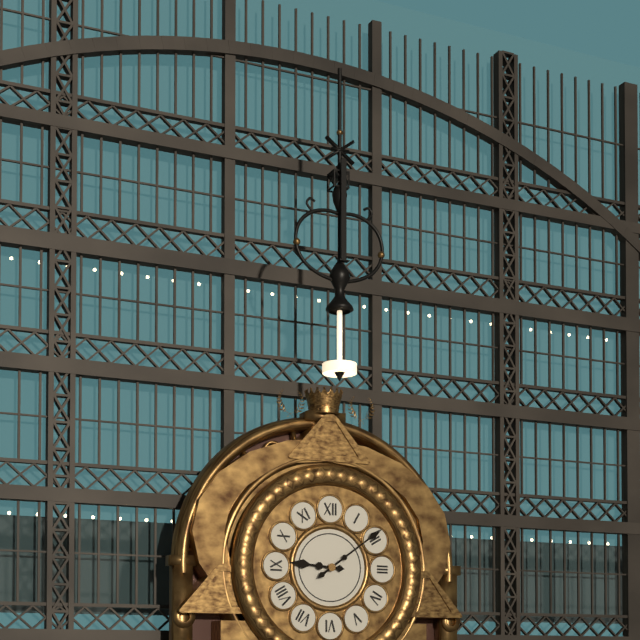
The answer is 9.09
